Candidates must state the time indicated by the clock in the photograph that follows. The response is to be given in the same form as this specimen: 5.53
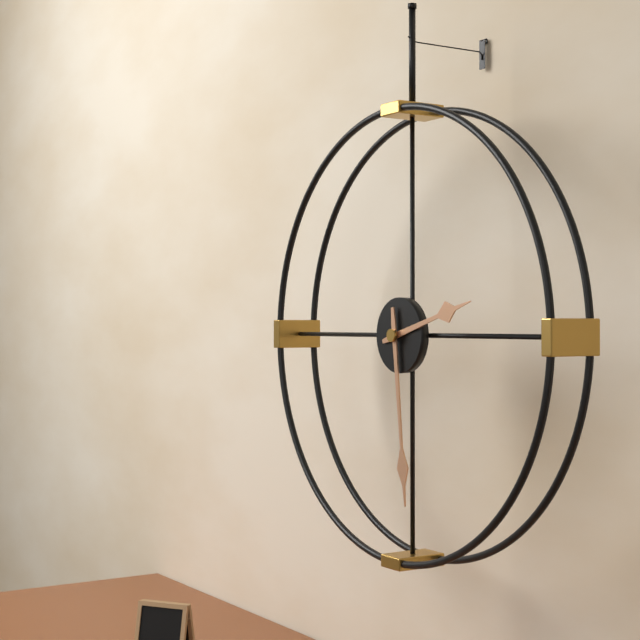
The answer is 2.29
